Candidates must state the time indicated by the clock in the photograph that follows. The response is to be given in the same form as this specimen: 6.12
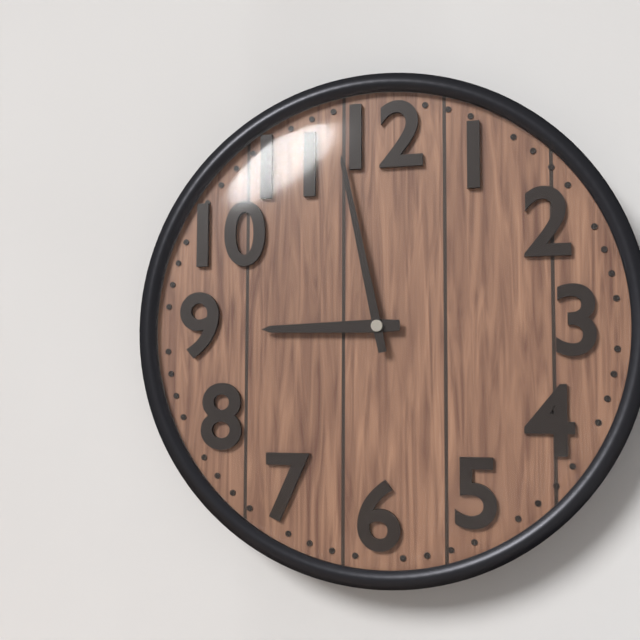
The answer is 8.58
